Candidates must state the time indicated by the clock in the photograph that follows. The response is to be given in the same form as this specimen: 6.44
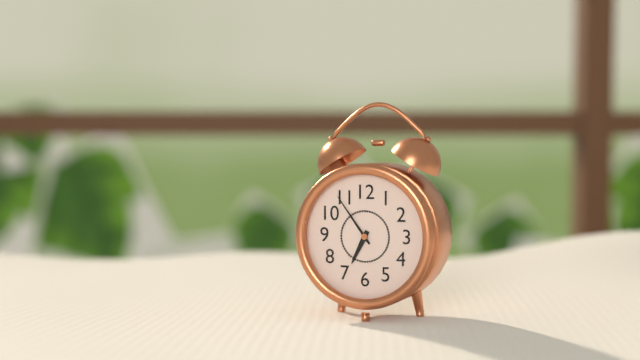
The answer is 6.54
